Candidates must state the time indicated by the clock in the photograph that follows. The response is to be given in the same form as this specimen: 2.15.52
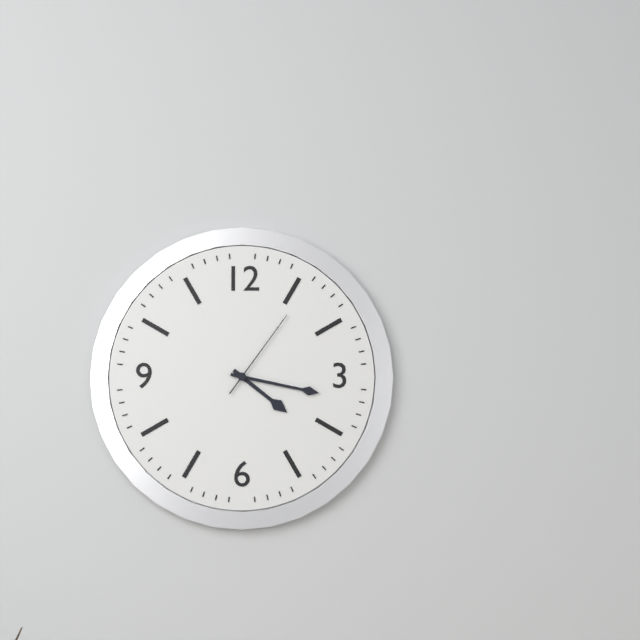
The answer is 4.17.06
